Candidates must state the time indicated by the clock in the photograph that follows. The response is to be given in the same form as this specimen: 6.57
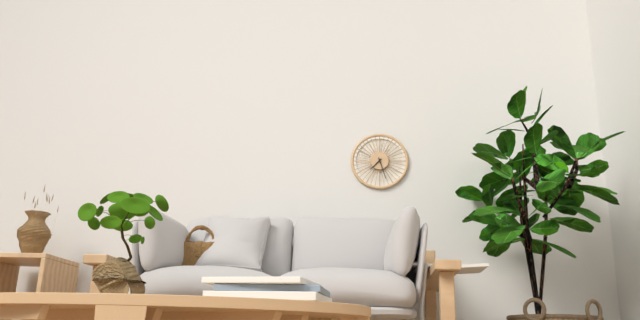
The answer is 7.27
